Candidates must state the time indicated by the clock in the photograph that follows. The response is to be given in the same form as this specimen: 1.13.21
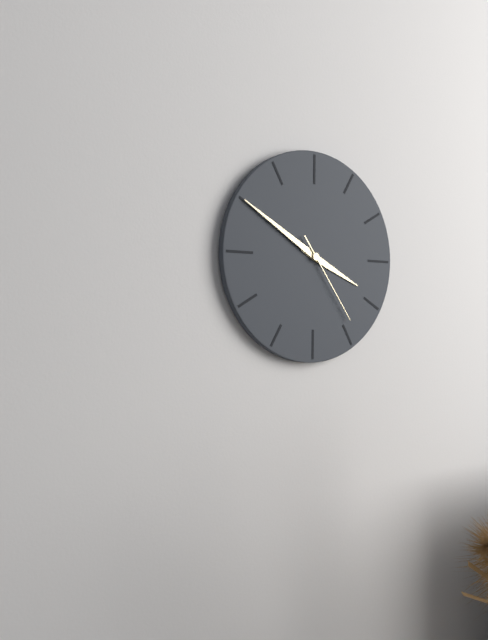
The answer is 3.50.24
